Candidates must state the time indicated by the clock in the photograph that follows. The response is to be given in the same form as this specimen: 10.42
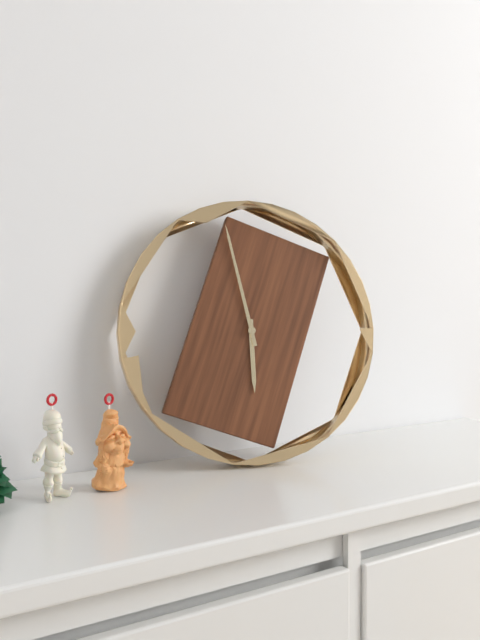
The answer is 5.58
